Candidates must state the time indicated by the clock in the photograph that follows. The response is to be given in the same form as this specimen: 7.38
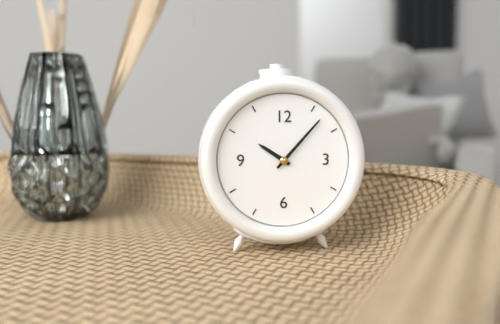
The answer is 10.07
